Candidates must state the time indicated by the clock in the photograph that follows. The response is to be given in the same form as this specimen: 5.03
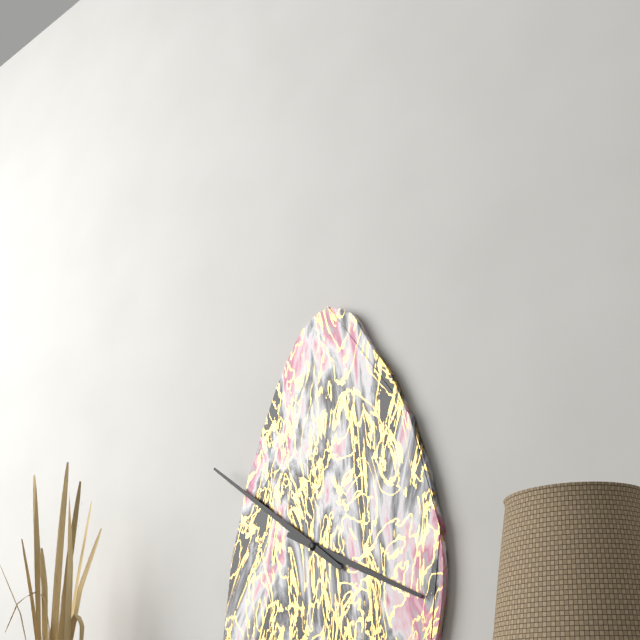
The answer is 3.51
